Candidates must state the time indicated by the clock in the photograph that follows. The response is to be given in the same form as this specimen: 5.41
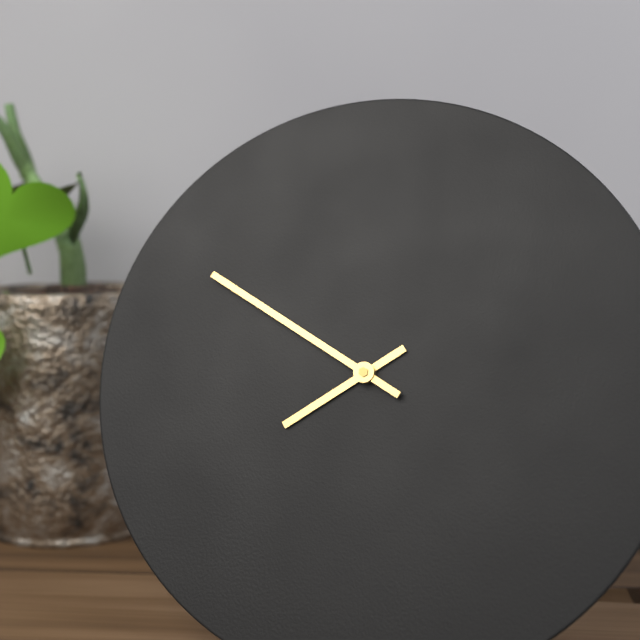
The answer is 7.50
